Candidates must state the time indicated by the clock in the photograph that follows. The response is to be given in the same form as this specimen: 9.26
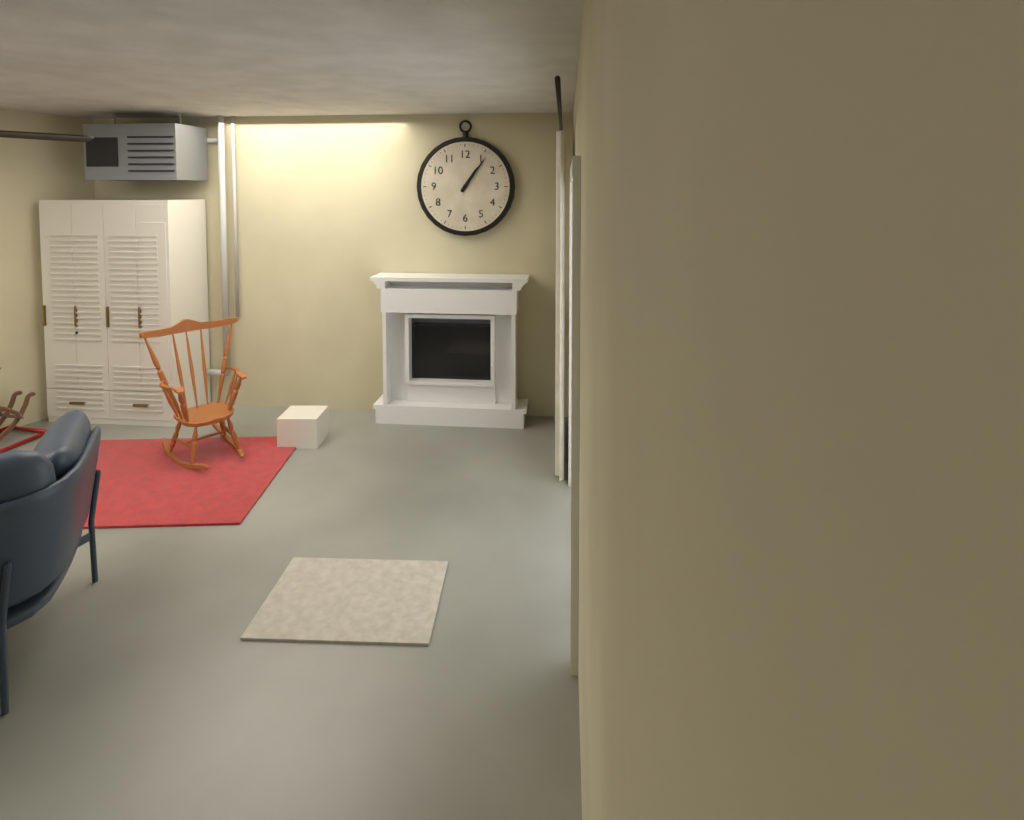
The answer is 1.06
